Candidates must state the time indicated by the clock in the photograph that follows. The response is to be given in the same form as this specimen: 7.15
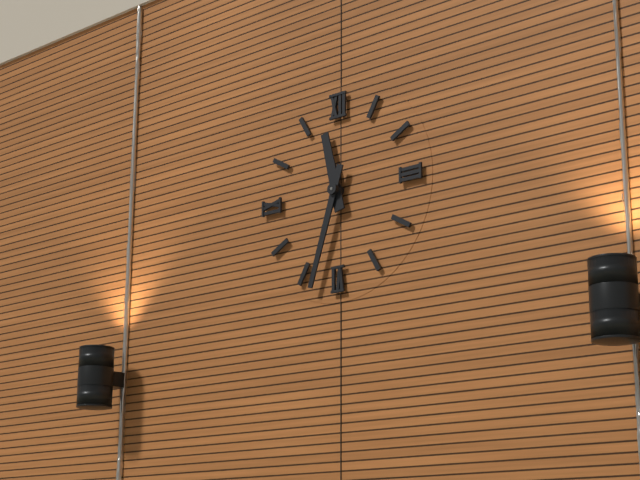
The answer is 11.33
